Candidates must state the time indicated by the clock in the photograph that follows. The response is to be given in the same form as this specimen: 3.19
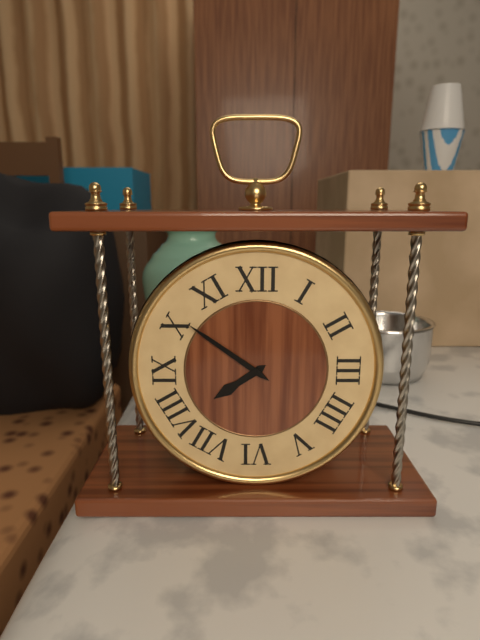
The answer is 7.51
